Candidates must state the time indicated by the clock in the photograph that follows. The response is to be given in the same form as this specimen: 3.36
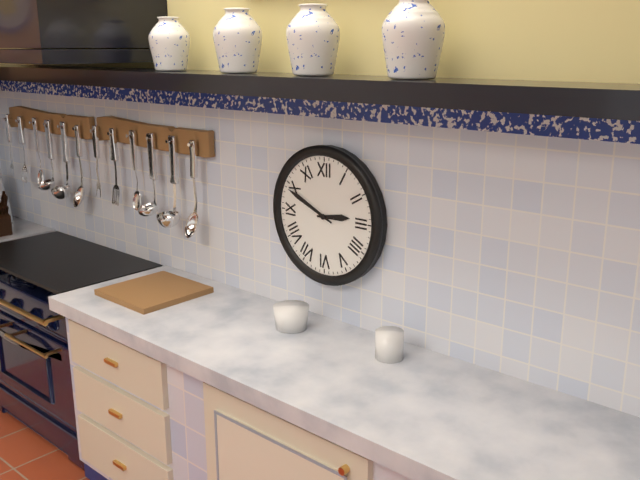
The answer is 2.49
